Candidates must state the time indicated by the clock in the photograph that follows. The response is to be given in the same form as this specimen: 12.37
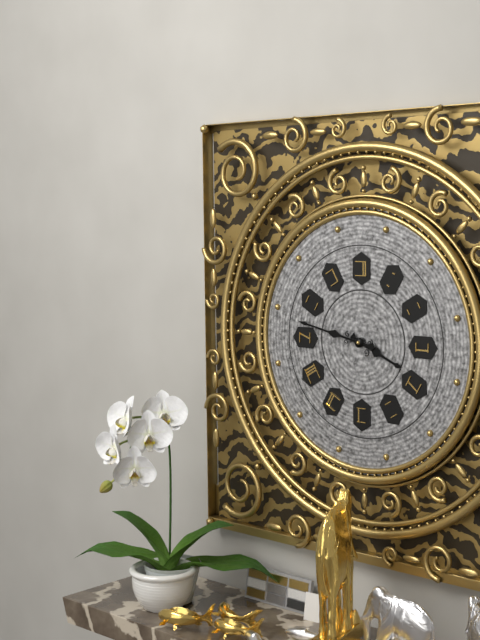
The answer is 3.47
